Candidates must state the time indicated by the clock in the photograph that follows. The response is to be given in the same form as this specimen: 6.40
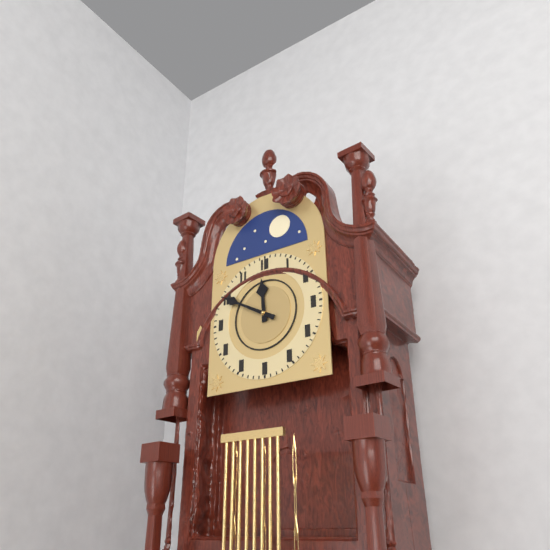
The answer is 11.50
